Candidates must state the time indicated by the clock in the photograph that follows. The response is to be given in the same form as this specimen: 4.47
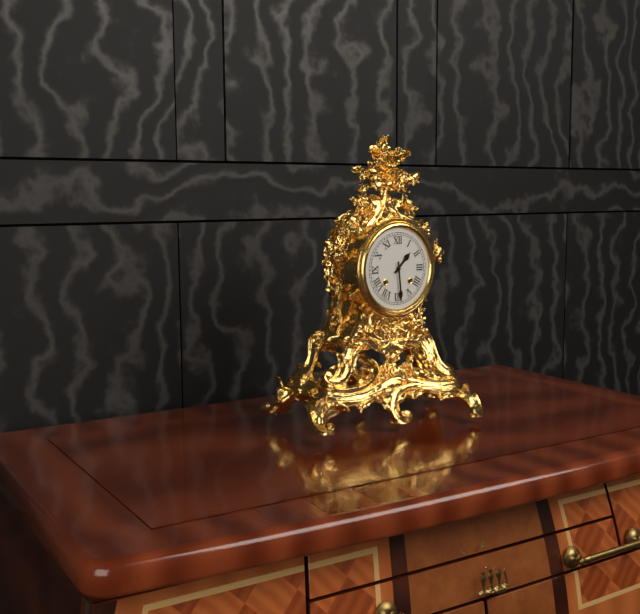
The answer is 1.29
